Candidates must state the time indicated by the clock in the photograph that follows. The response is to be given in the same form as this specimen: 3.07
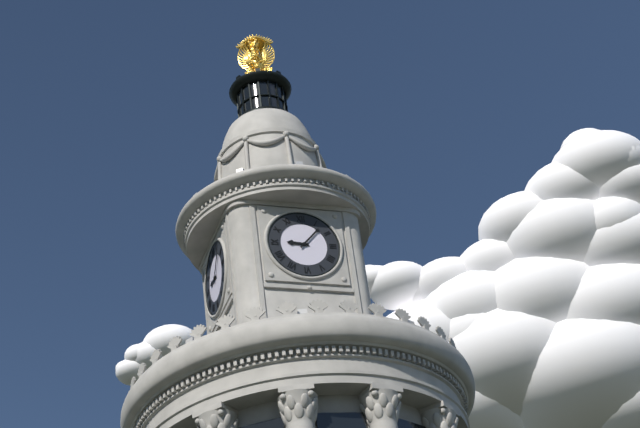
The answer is 9.07
